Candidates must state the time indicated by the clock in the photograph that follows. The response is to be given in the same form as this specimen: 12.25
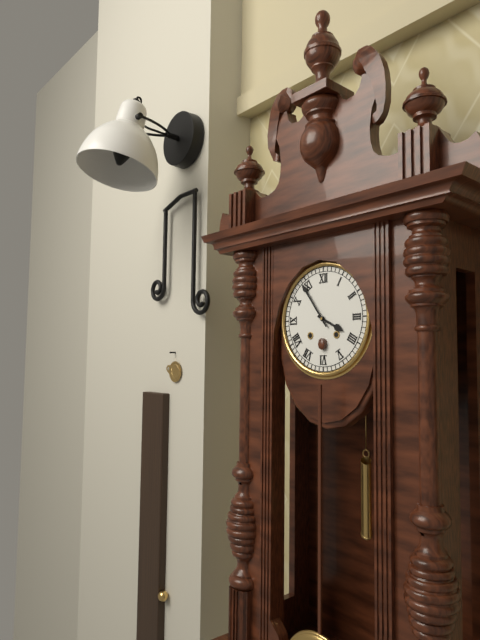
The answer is 3.54
